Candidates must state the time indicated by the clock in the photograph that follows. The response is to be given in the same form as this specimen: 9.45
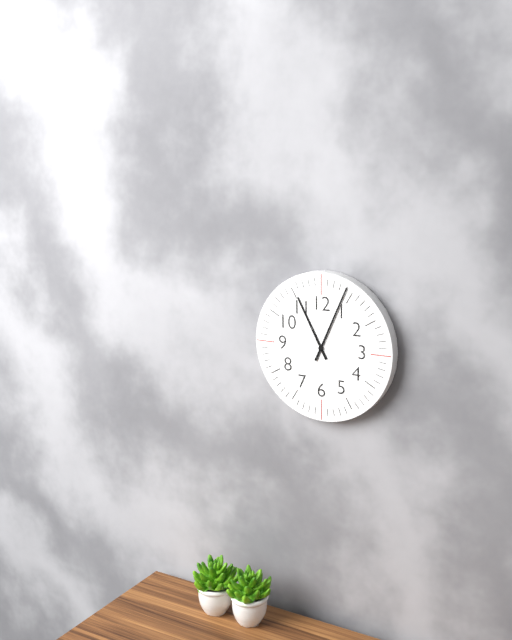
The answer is 11.04
